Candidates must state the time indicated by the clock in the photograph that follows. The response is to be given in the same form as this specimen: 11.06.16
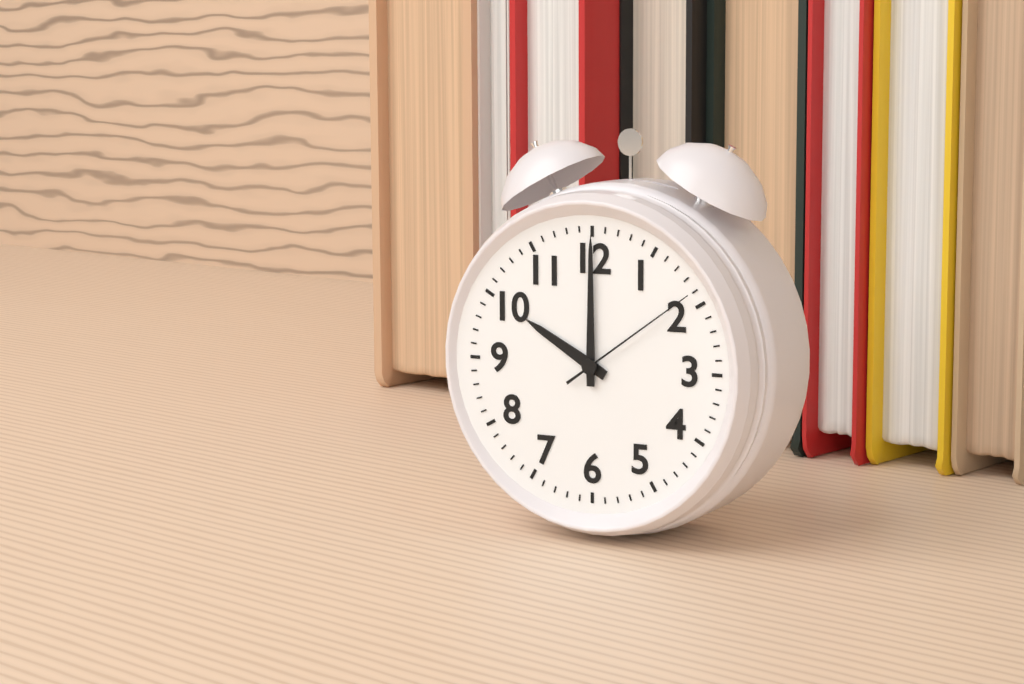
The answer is 10.00.09
